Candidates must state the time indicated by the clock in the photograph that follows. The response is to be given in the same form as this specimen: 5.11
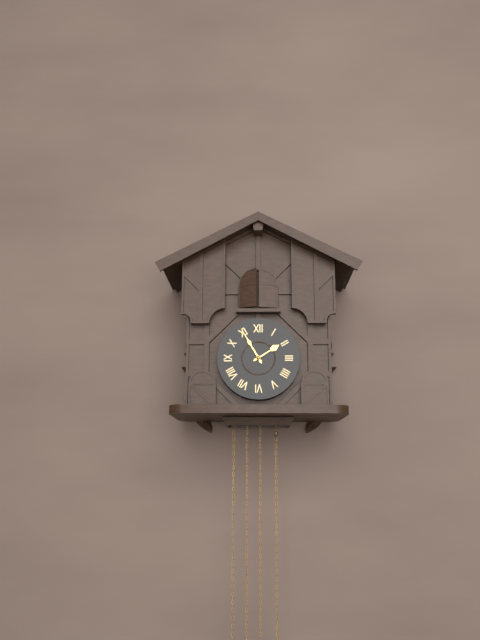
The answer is 1.55
